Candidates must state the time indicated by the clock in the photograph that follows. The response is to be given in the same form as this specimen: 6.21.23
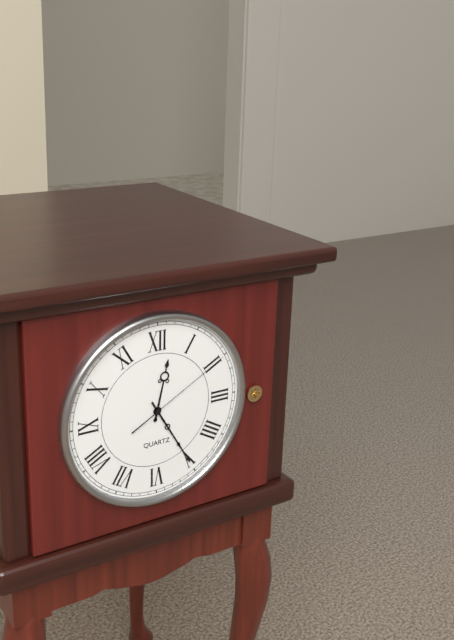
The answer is 12.25.10
